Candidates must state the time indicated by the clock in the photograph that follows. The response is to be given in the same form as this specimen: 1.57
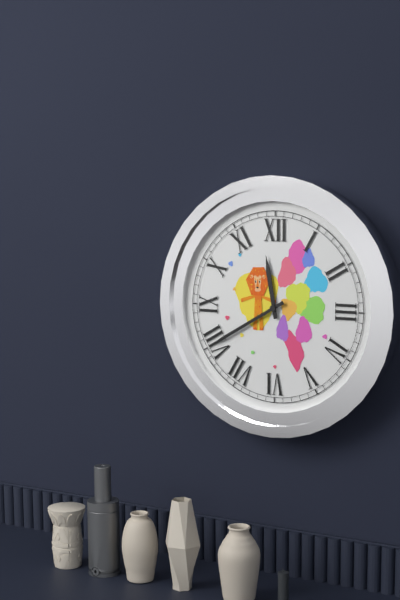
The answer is 11.40
